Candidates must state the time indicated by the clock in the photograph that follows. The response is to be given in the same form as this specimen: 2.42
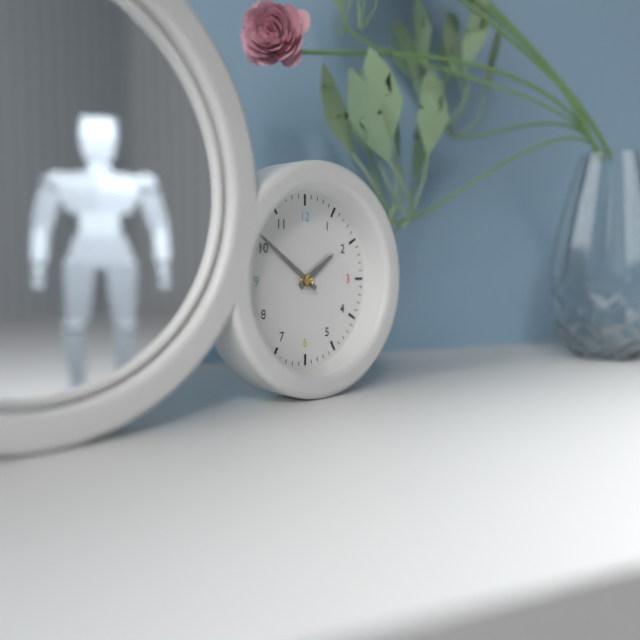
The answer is 1.51
